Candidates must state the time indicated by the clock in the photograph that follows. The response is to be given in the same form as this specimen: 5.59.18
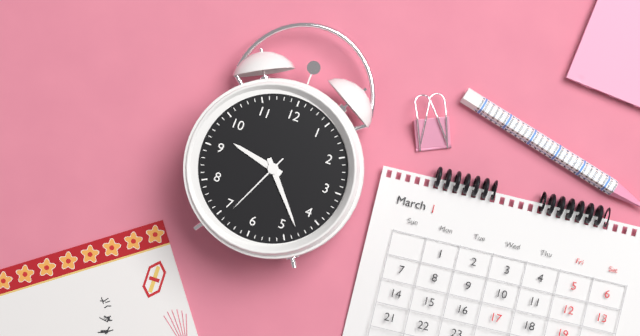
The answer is 9.23.34
